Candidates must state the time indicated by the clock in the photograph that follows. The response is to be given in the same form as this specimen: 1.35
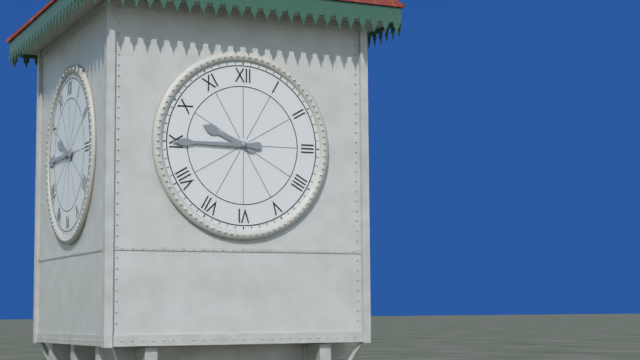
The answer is 9.45
